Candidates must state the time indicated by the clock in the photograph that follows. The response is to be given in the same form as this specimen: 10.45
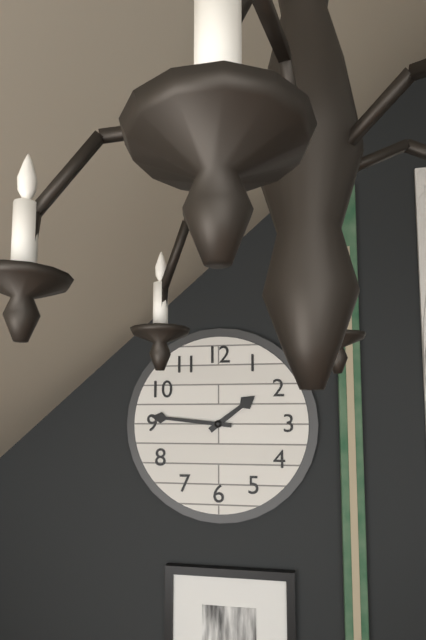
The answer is 1.46
